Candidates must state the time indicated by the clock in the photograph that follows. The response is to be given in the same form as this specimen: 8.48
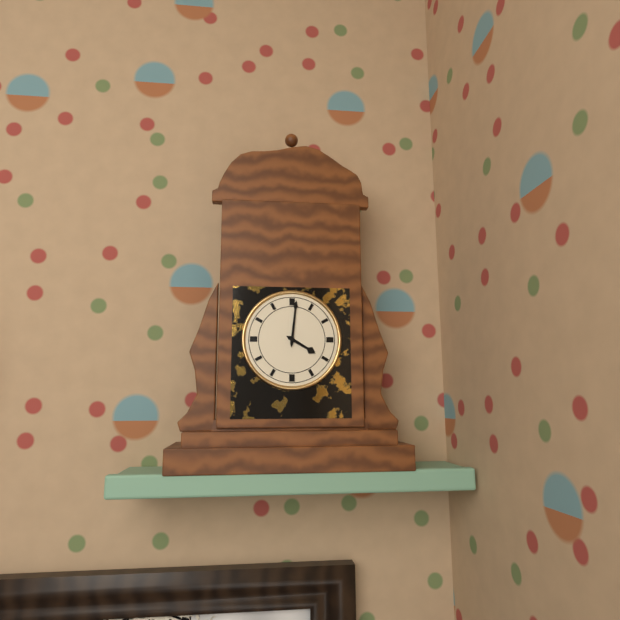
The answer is 4.01
